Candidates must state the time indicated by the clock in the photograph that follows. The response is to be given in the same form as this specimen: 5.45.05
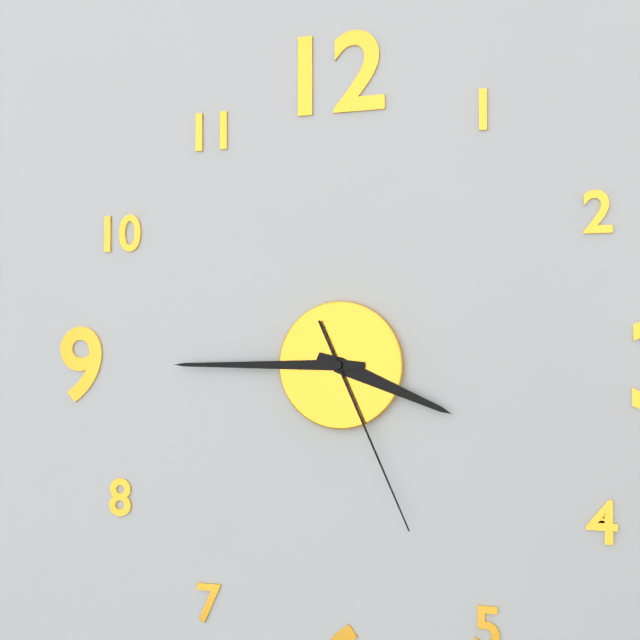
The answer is 3.45.26
